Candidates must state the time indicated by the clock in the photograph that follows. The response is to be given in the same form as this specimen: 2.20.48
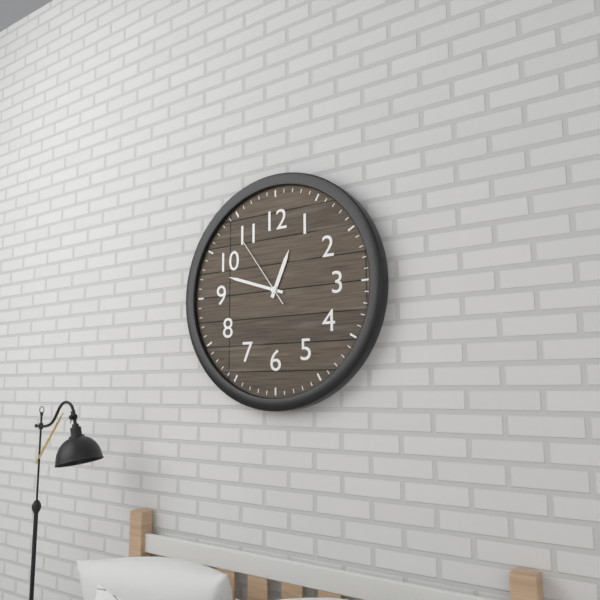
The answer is 12.48.54
